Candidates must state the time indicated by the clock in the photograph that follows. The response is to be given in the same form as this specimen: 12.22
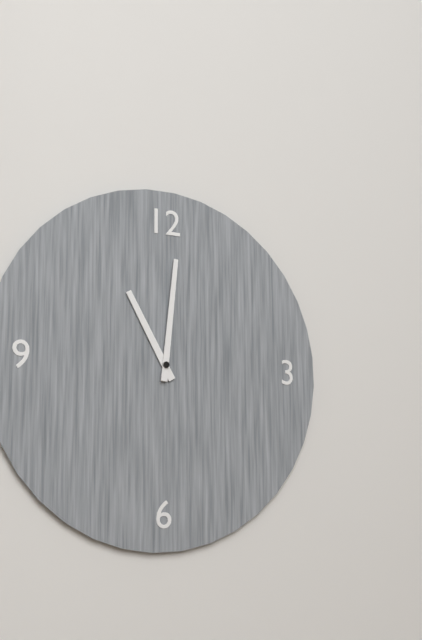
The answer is 11.01
